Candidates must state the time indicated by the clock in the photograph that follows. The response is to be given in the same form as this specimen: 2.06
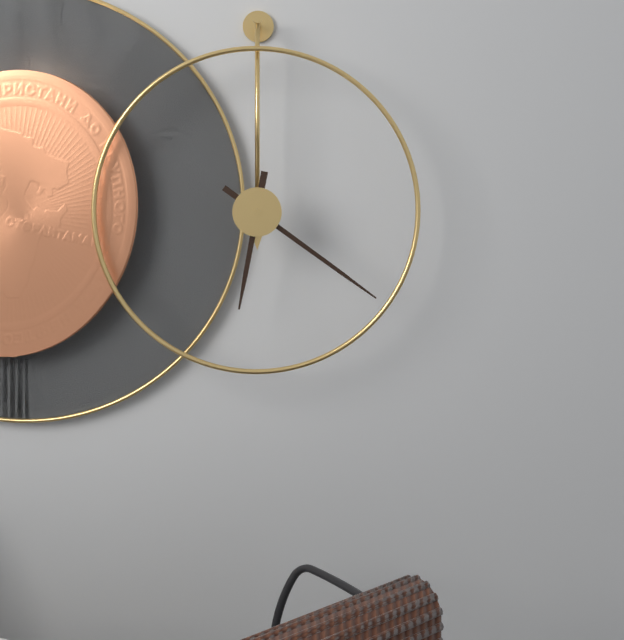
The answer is 6.21
